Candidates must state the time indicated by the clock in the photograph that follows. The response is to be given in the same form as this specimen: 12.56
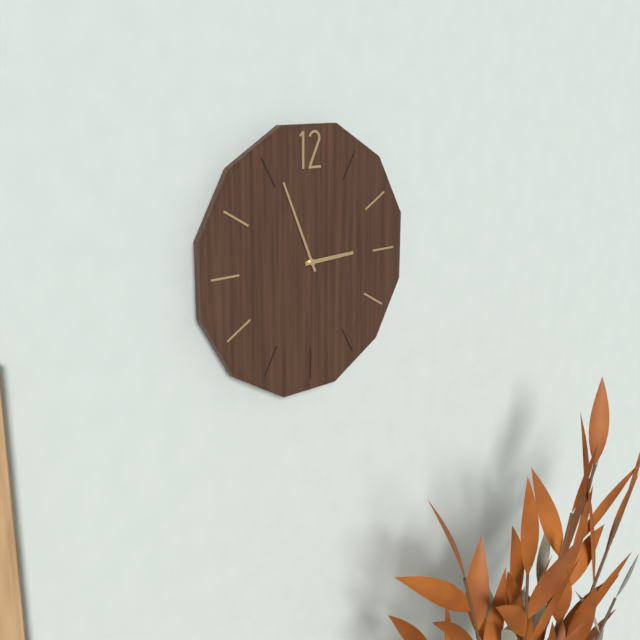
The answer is 2.56
